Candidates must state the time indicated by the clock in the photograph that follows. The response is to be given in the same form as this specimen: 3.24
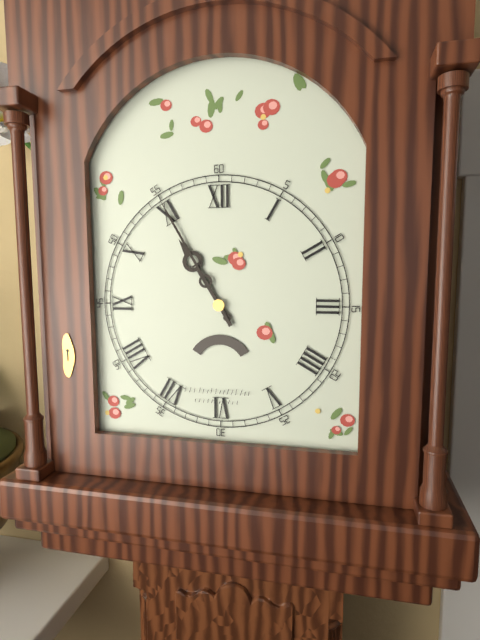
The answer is 10.55
